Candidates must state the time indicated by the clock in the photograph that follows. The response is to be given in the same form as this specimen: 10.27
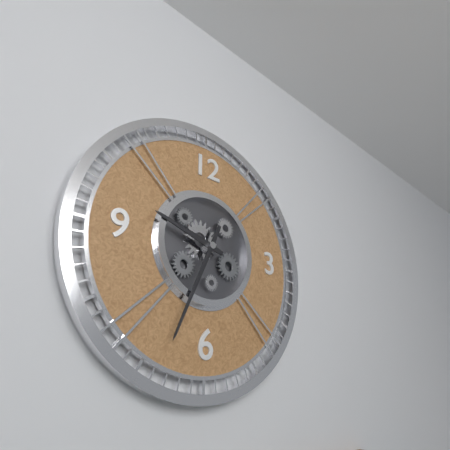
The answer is 9.34
